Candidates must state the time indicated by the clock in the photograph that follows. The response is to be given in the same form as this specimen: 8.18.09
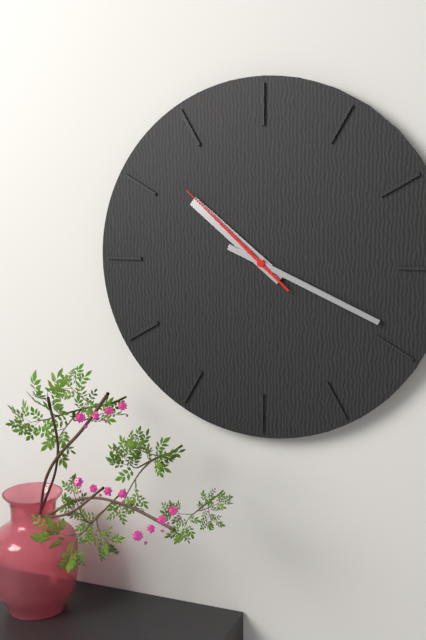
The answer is 10.19.52
